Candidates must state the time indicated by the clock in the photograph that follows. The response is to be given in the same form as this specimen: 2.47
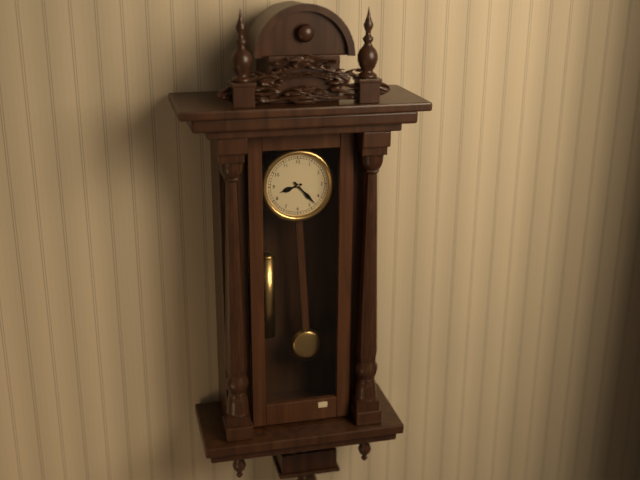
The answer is 8.23
